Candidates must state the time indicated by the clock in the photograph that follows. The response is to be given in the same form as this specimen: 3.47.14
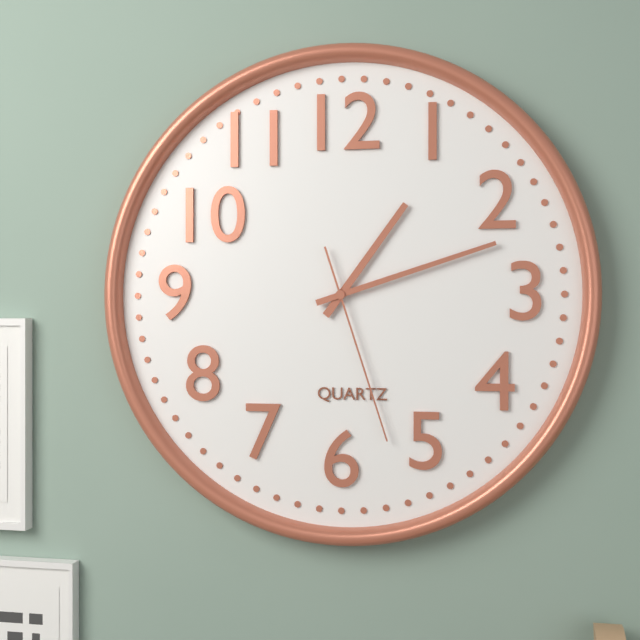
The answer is 1.12.27
